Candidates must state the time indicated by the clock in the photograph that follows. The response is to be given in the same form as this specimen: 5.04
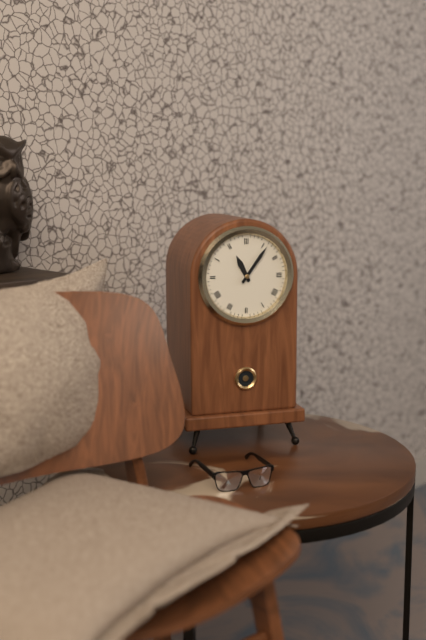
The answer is 11.06
